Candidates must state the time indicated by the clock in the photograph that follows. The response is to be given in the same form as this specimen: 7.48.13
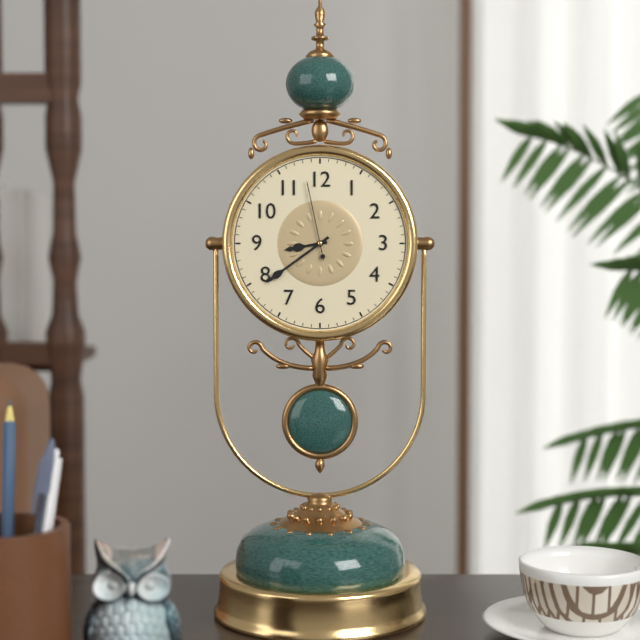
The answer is 8.39.58
